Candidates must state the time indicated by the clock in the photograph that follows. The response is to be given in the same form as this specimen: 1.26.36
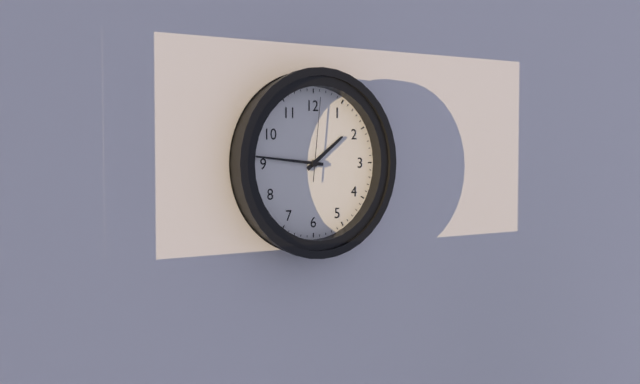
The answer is 1.46.01
